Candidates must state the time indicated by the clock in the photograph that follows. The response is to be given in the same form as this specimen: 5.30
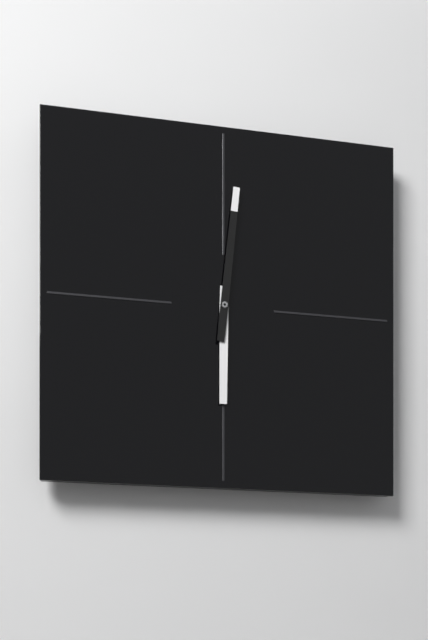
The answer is 6.01
